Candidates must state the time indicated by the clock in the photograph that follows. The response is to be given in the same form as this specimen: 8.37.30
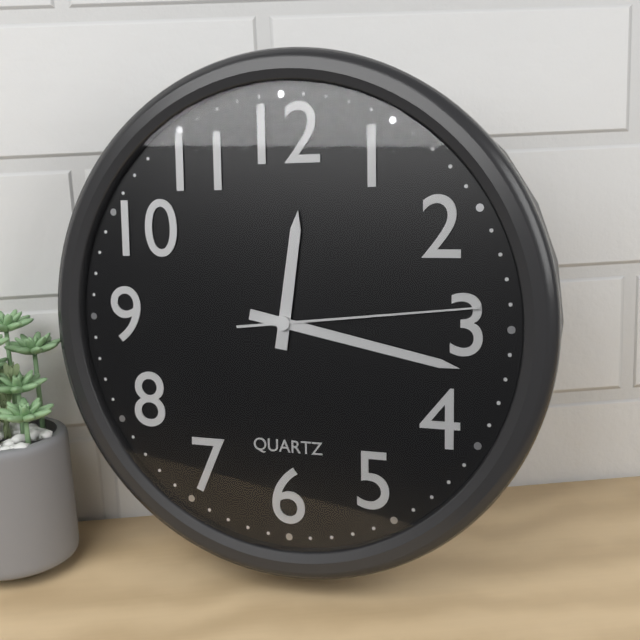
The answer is 12.17.14
